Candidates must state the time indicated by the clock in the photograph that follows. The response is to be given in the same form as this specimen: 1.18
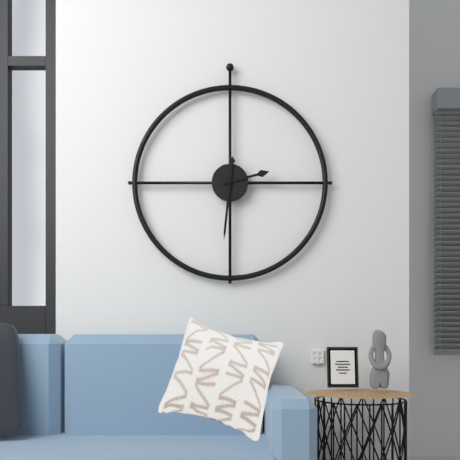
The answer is 2.31
